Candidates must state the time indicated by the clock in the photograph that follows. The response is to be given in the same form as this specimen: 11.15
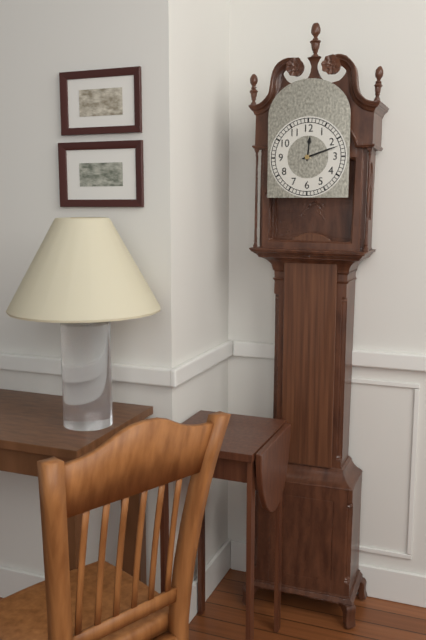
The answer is 12.12
